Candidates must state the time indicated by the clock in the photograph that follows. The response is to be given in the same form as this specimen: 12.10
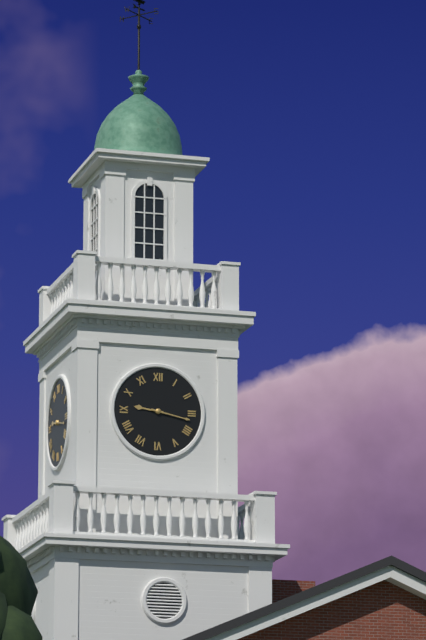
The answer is 9.17
